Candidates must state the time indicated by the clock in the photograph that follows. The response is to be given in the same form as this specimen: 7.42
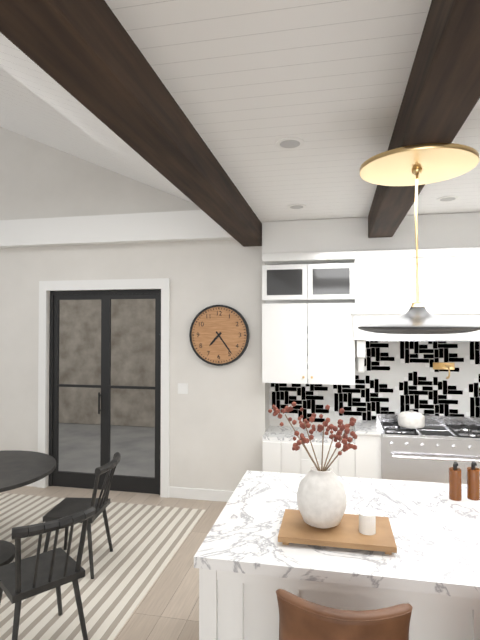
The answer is 7.24
